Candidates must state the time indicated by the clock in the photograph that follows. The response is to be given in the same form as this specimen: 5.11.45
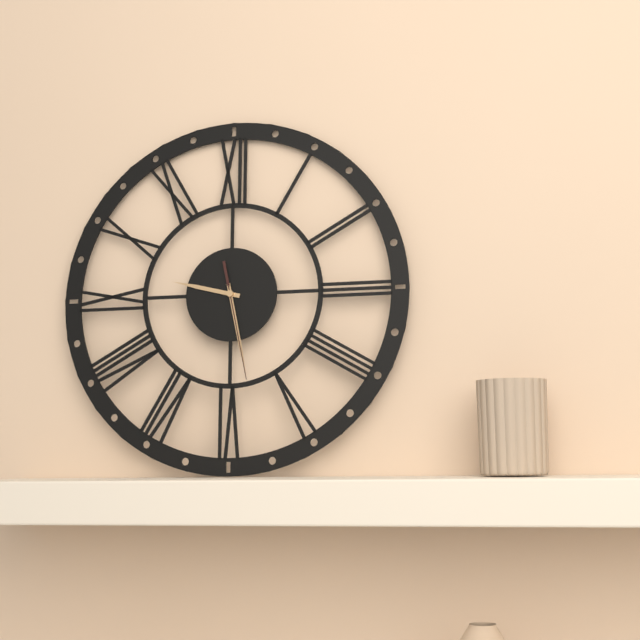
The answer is 9.28.28
